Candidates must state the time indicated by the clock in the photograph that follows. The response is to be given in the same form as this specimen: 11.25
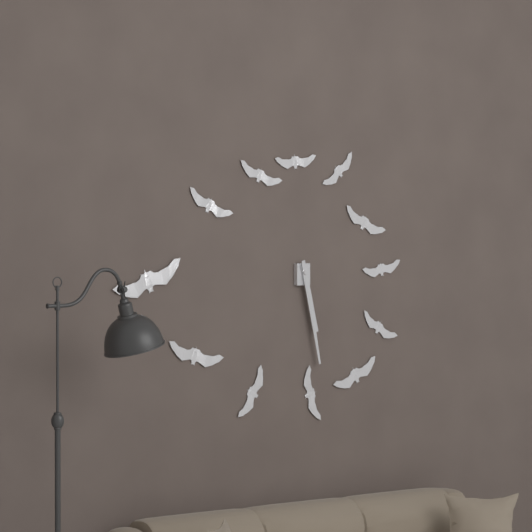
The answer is 5.28
